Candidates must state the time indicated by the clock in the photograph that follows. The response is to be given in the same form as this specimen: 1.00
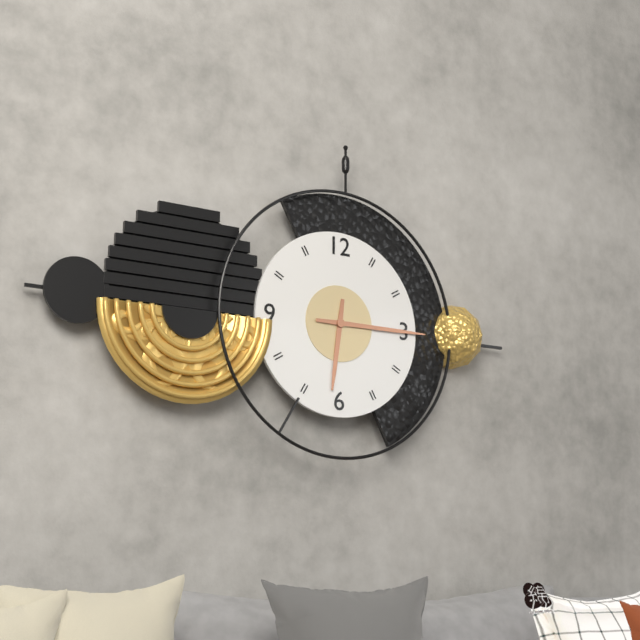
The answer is 6.15
